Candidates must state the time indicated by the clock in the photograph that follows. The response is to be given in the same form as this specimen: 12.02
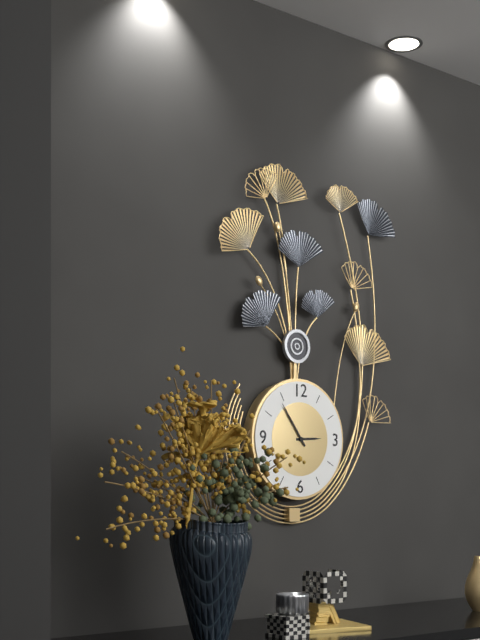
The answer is 2.54
